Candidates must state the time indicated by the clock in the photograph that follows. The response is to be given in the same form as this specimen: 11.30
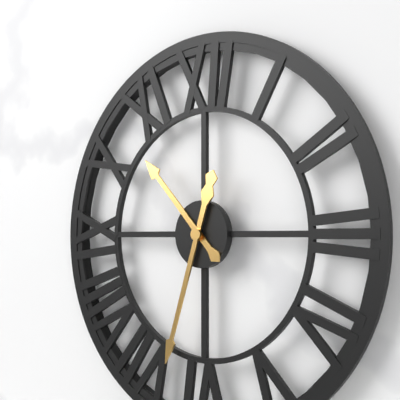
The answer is 10.33
